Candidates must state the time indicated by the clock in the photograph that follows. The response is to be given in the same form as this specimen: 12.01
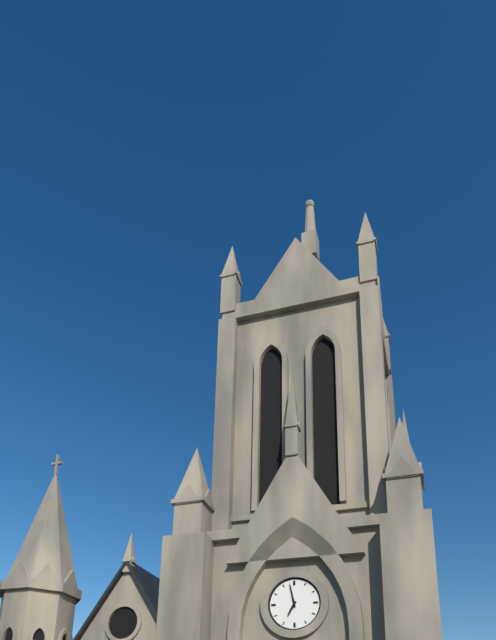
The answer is 6.58
